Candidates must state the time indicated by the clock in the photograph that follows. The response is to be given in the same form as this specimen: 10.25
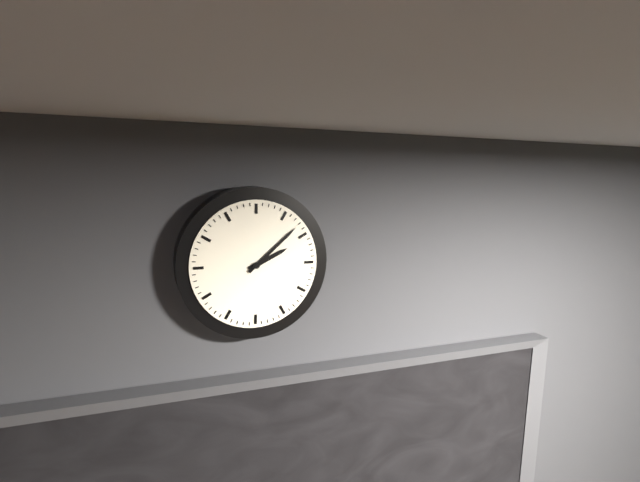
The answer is 2.08
